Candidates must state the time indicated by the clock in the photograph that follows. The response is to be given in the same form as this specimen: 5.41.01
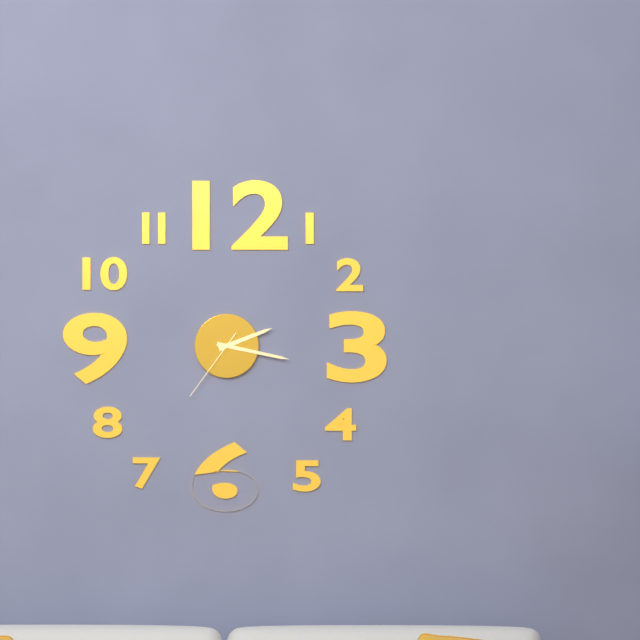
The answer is 2.17.36
